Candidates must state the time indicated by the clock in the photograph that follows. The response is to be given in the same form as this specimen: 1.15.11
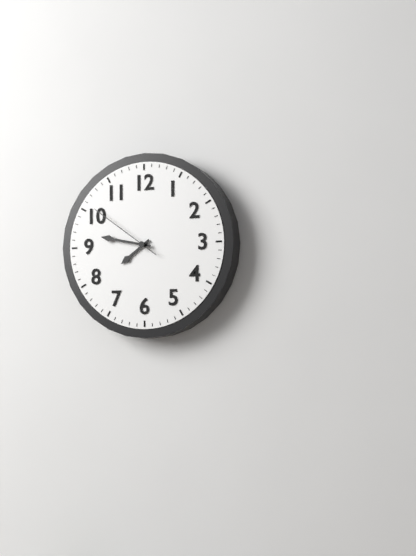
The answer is 7.47.51
